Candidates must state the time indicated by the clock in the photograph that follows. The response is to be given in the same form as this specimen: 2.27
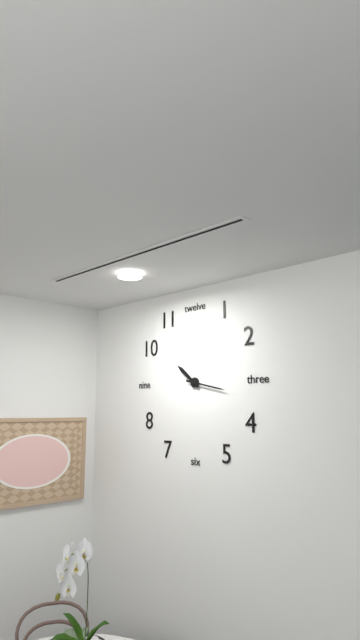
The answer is 10.17
